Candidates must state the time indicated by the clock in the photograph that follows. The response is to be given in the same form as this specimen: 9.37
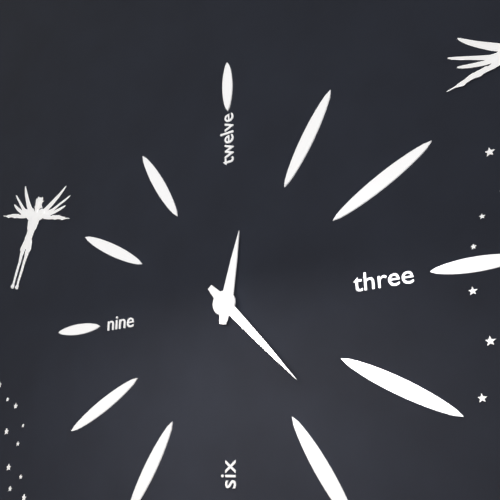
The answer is 12.23
